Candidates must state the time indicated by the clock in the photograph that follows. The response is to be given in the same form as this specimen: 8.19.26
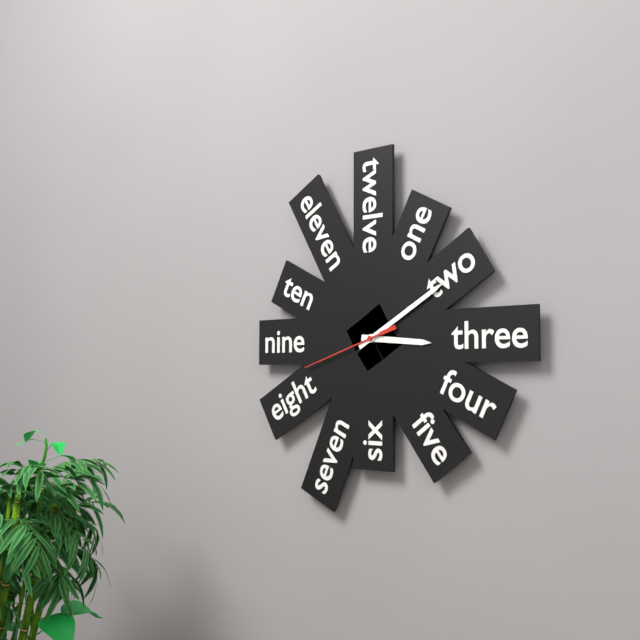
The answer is 3.10.42
